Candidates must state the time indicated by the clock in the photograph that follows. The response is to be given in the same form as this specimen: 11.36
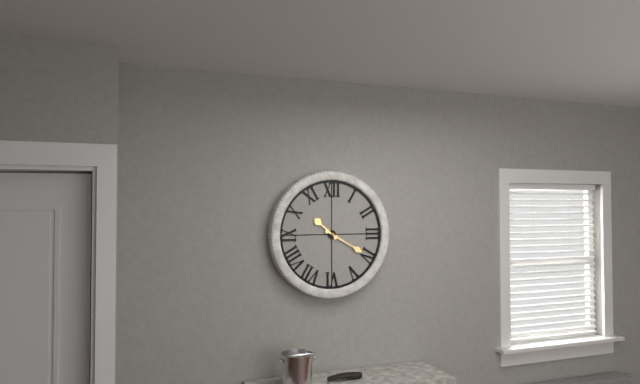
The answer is 10.20
